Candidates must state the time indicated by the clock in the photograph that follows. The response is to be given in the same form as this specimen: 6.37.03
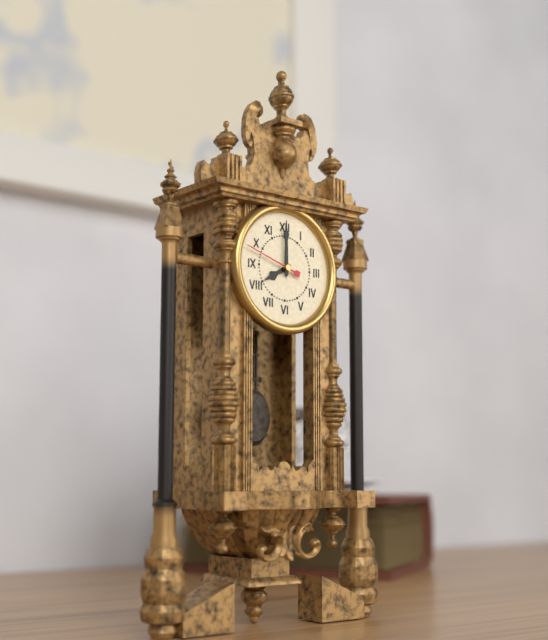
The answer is 8.00.48
